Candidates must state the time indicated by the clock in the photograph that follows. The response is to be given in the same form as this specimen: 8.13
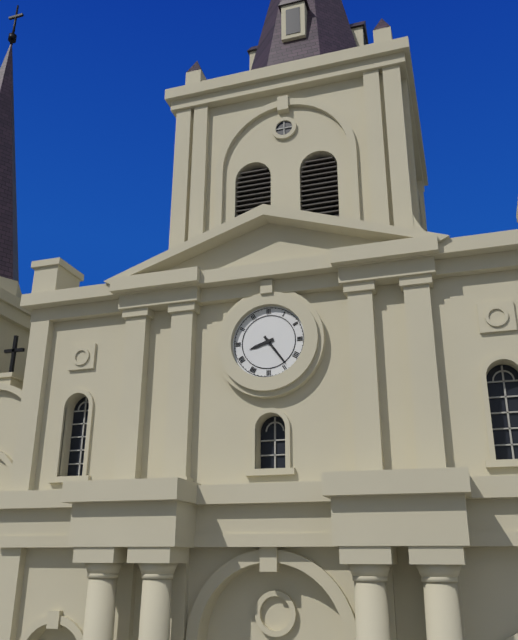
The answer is 8.24
